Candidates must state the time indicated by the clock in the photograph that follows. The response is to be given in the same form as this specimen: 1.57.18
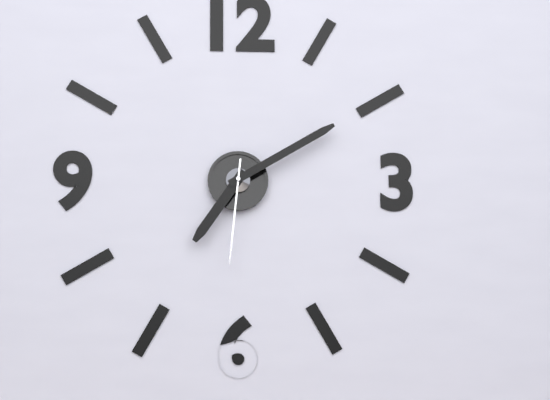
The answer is 7.10.31
